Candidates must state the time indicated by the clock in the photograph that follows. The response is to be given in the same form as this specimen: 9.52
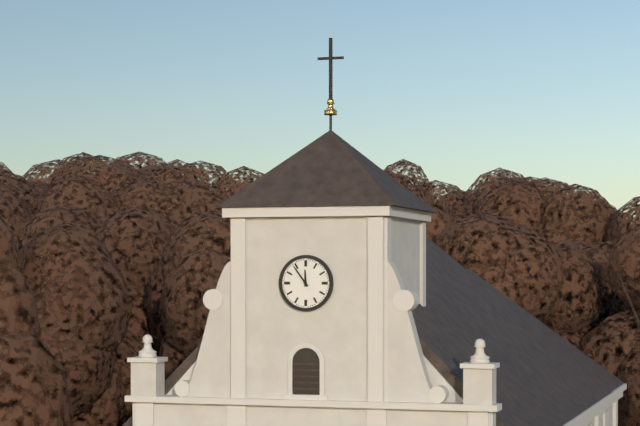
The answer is 11.54
